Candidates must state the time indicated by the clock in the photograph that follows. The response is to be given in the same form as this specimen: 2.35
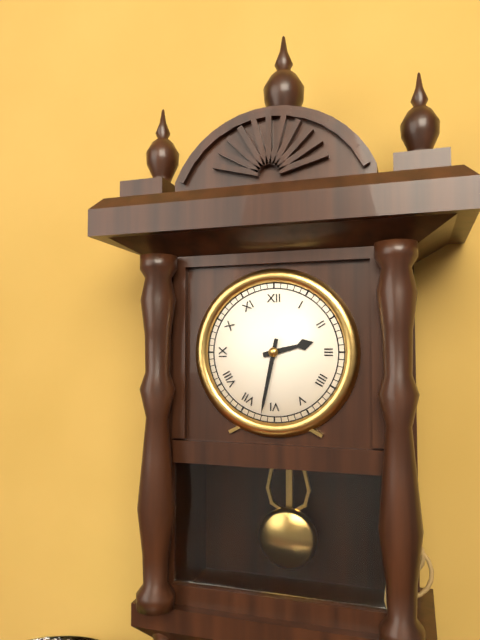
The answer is 2.32
